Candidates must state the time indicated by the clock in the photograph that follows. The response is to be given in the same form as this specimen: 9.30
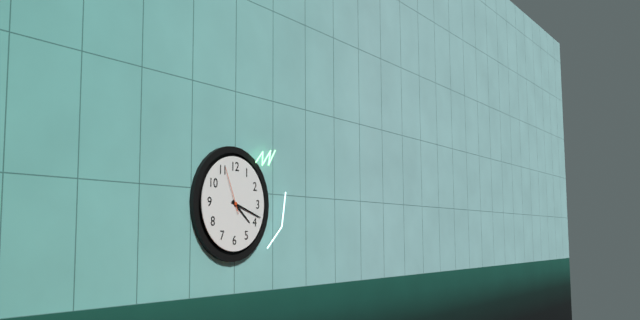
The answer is 4.18
